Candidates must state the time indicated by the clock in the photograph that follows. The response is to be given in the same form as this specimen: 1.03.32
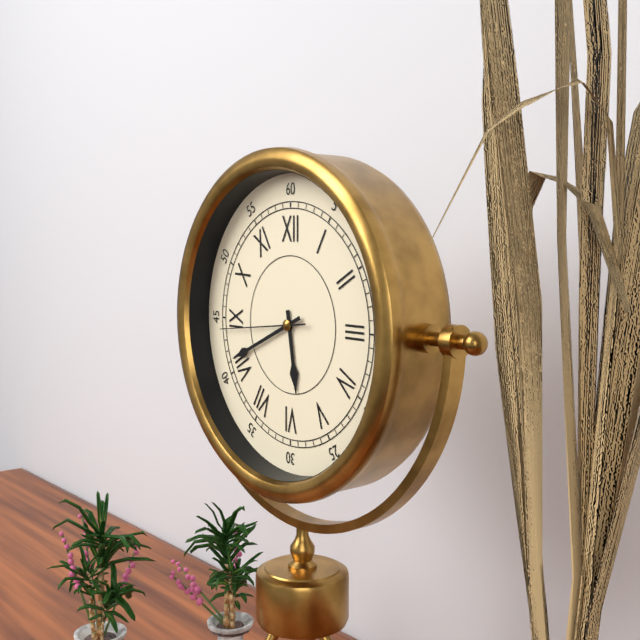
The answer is 5.41.44
